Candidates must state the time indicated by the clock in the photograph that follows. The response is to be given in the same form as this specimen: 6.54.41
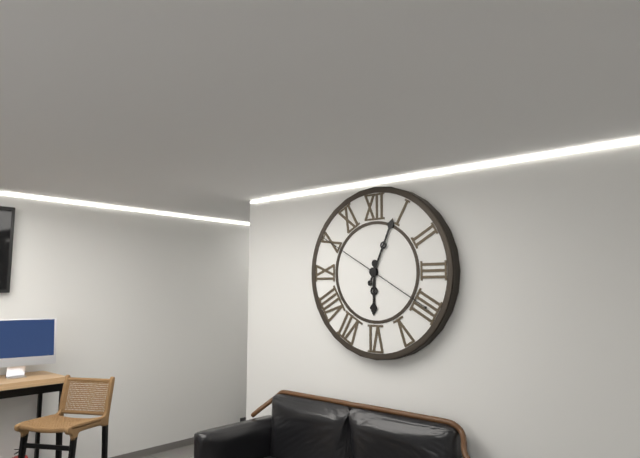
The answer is 6.04.50
